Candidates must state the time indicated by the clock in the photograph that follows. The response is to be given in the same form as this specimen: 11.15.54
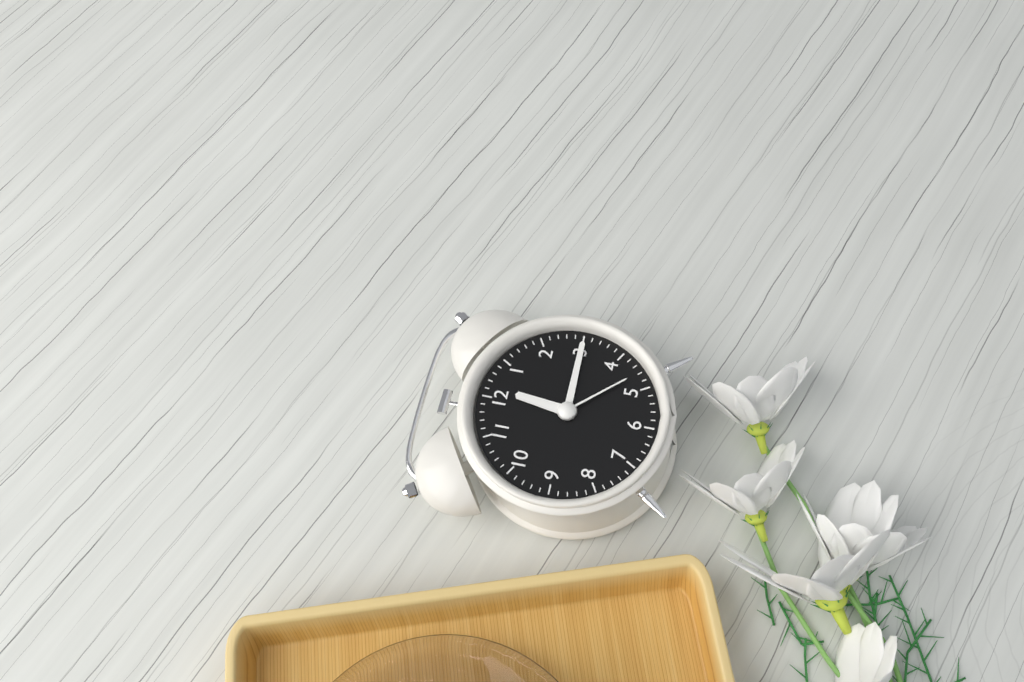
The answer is 12.15.23
